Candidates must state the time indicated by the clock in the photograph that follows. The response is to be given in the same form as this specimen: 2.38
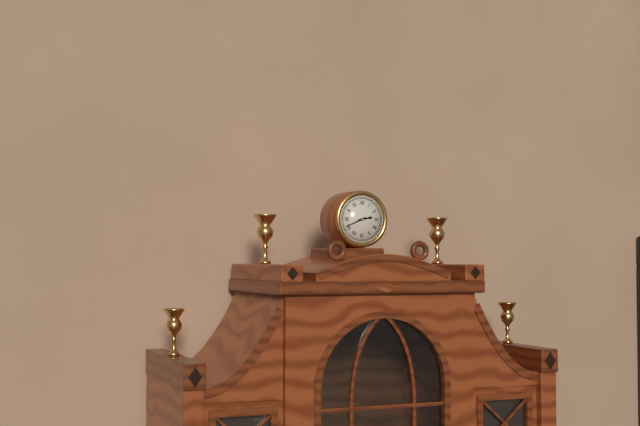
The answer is 2.41
